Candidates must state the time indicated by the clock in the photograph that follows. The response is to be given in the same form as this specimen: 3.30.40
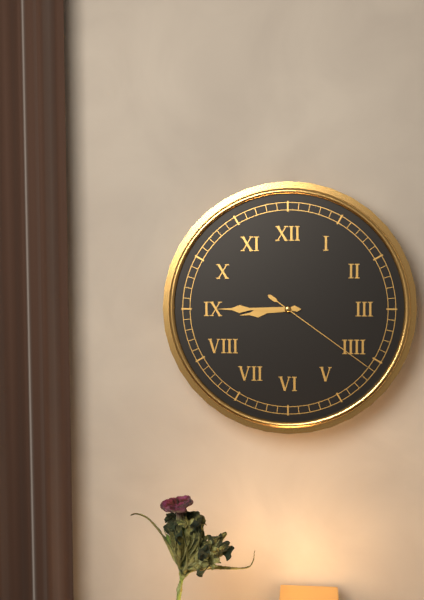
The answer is 8.45.21
